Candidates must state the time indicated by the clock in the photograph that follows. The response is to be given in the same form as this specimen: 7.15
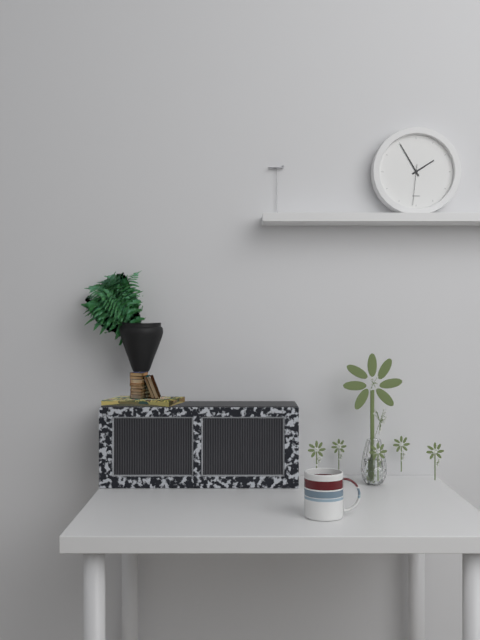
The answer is 1.55
